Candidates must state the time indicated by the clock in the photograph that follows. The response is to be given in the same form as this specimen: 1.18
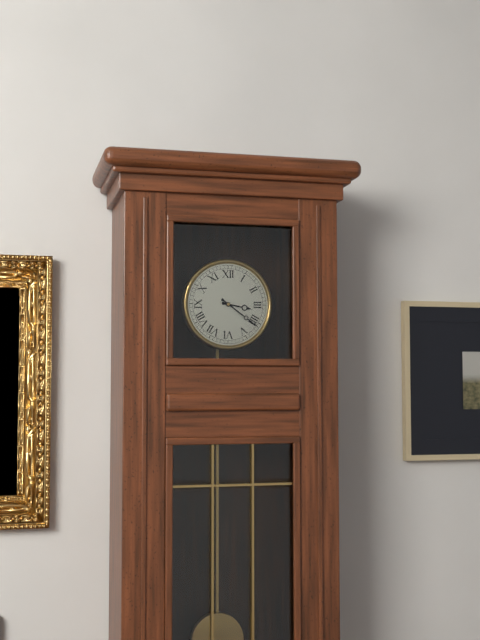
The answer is 3.21
